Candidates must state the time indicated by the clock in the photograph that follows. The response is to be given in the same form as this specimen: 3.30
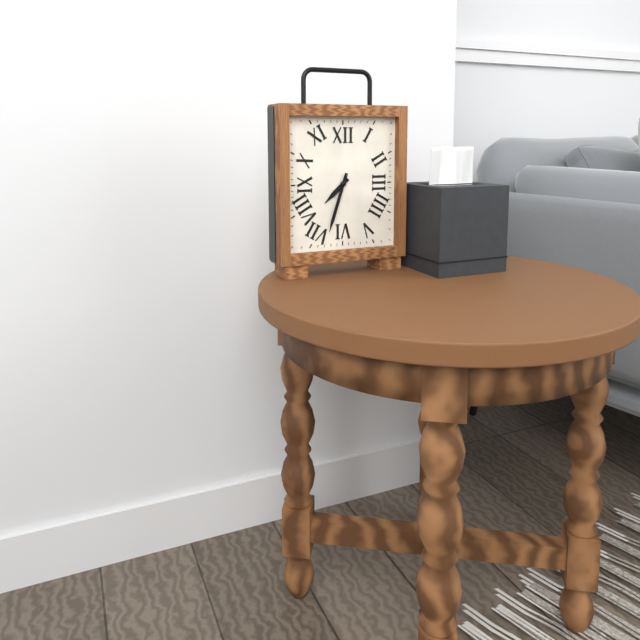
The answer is 7.33
